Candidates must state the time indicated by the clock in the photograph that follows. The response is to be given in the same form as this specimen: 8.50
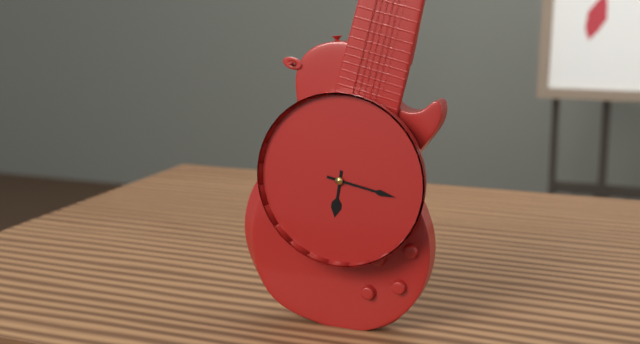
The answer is 6.17
